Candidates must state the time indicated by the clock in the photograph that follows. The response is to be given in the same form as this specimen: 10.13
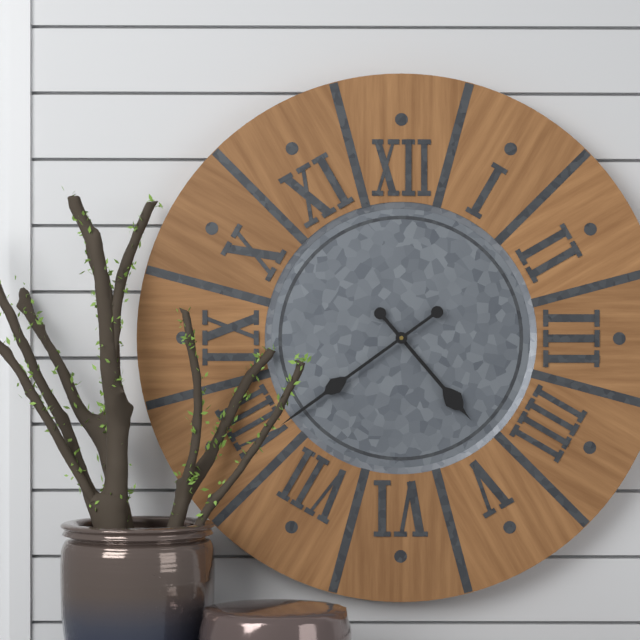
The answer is 4.39
